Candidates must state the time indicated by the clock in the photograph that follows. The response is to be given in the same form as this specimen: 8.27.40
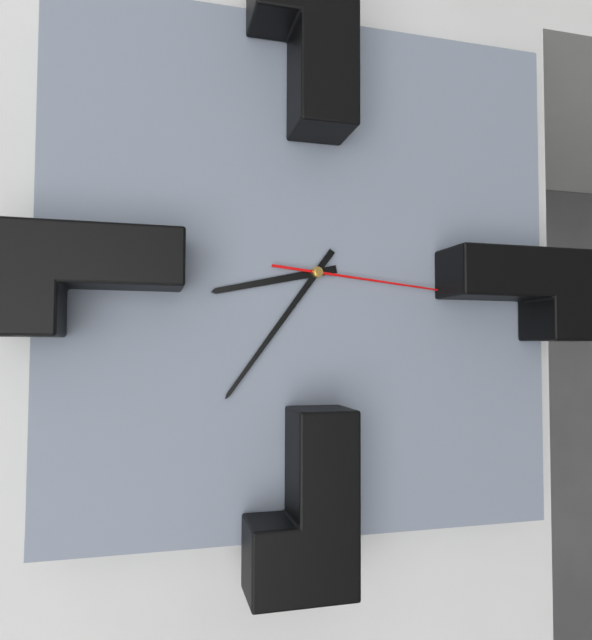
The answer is 8.36.16
